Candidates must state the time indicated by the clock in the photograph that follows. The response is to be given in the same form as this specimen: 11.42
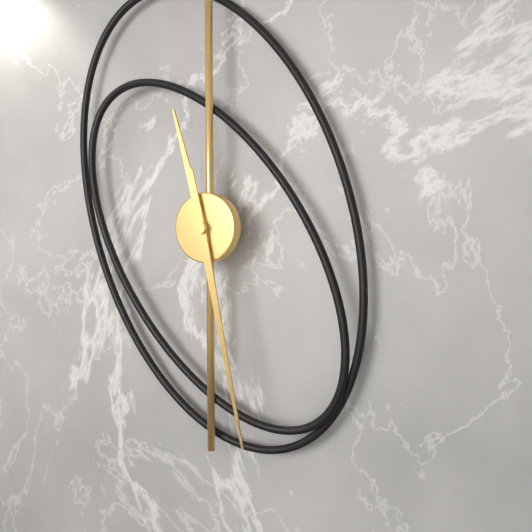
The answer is 11.28
